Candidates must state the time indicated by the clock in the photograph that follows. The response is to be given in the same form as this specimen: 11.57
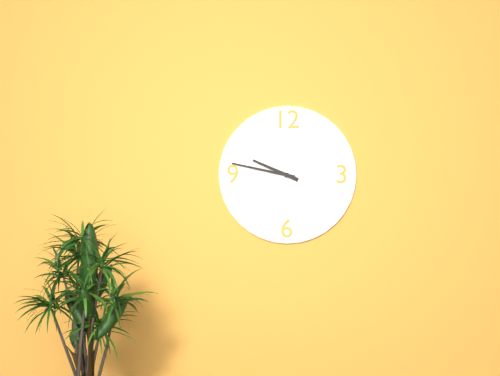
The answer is 9.47
